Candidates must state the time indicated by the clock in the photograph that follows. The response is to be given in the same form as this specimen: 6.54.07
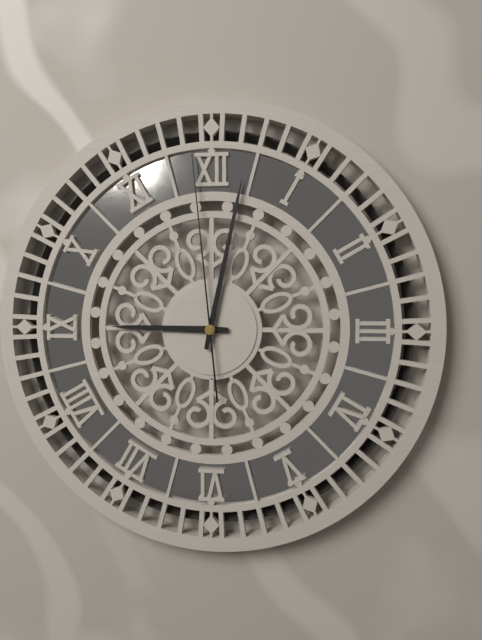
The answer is 9.02.59
